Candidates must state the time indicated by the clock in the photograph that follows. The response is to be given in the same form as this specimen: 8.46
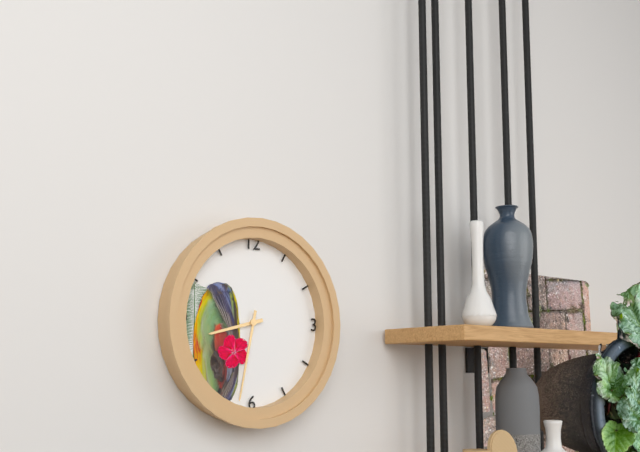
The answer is 8.32
